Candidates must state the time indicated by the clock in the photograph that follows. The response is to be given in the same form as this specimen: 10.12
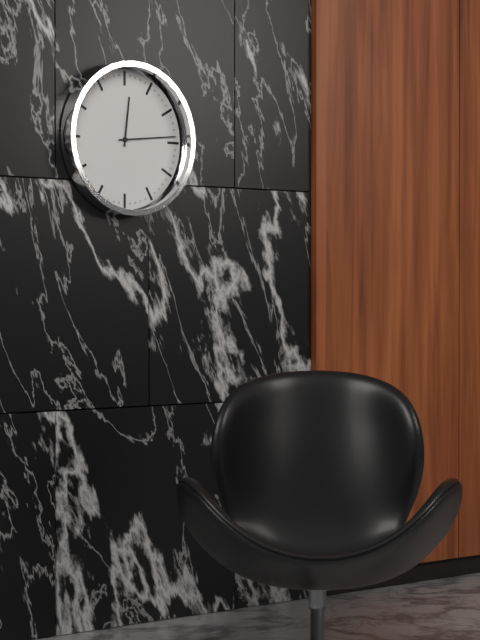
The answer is 12.14
